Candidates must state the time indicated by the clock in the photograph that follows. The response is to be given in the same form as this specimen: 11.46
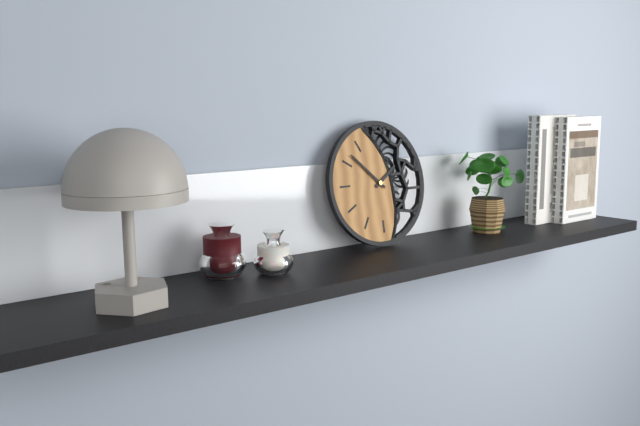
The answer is 1.52
